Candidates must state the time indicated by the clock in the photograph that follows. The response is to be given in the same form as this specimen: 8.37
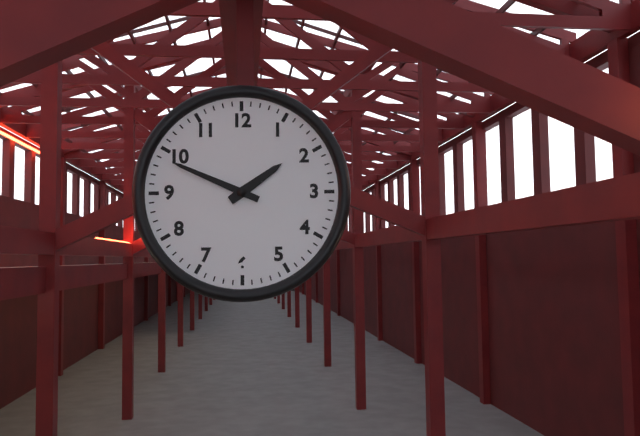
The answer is 1.49
